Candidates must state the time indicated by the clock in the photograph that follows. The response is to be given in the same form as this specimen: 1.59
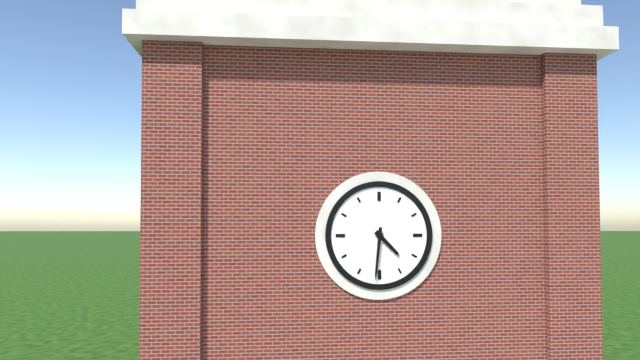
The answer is 4.31
